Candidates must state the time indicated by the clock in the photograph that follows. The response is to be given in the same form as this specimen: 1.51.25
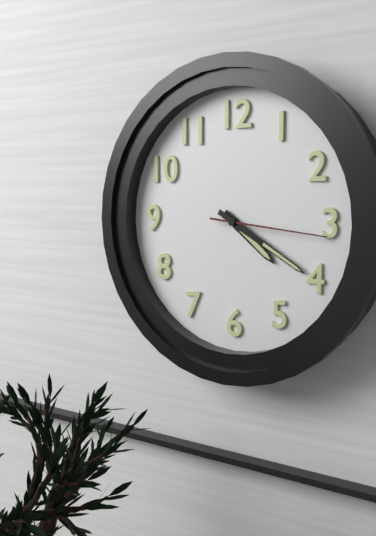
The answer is 4.20.16
